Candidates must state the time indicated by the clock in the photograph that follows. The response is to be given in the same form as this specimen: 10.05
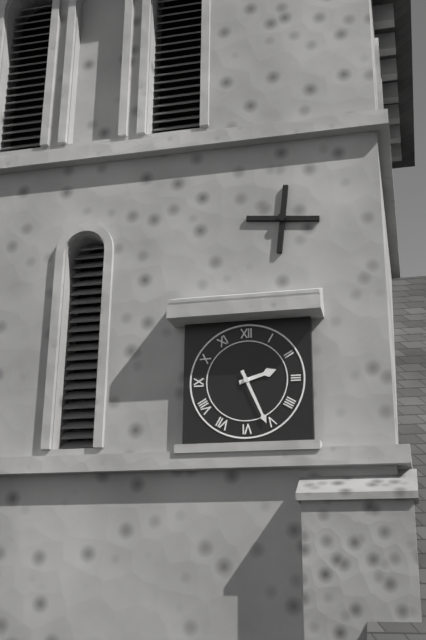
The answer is 2.26
